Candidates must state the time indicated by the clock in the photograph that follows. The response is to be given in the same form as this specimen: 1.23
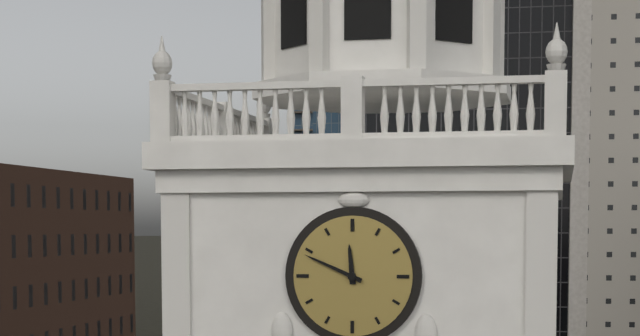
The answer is 11.49
